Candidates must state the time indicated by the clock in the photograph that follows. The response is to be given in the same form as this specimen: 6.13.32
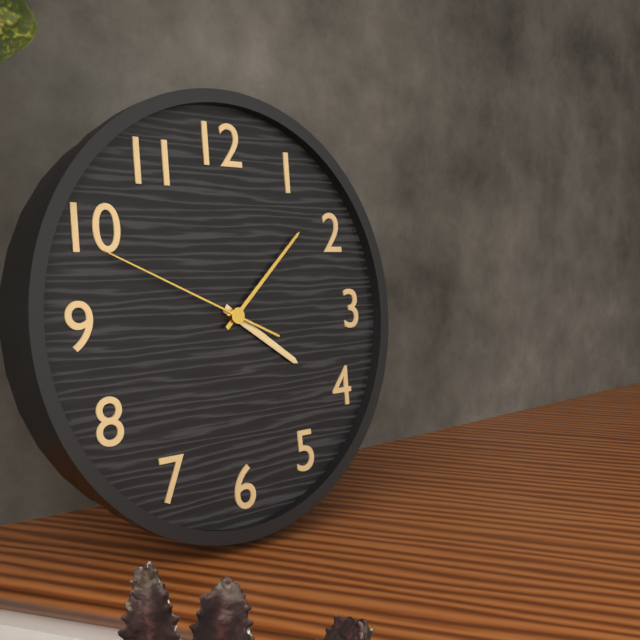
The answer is 4.08.49
